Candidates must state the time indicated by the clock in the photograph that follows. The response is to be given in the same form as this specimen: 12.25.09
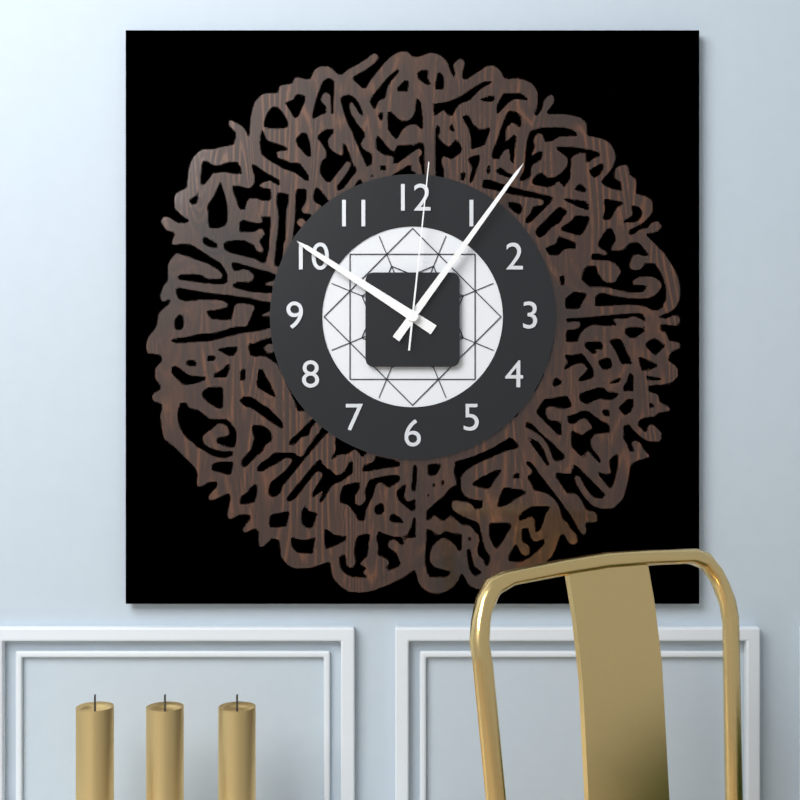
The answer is 10.06.01
